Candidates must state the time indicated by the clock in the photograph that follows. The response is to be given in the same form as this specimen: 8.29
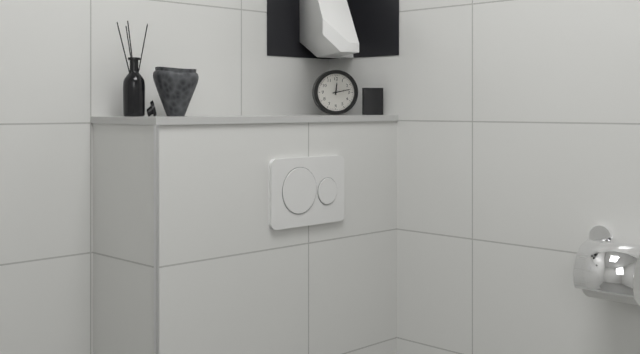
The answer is 12.13
